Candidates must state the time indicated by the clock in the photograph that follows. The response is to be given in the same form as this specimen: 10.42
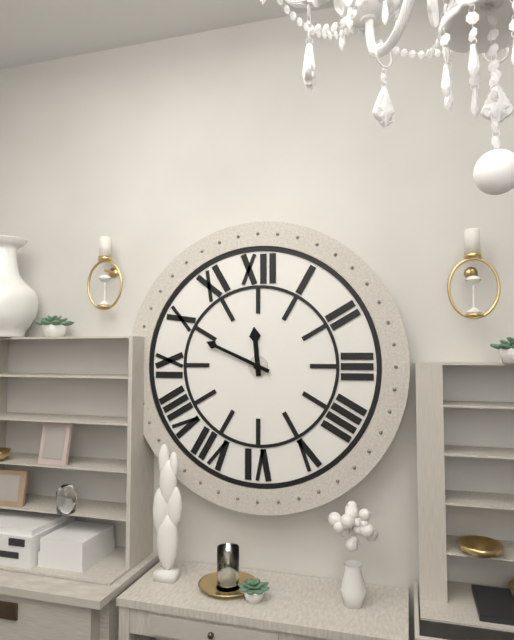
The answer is 11.49
